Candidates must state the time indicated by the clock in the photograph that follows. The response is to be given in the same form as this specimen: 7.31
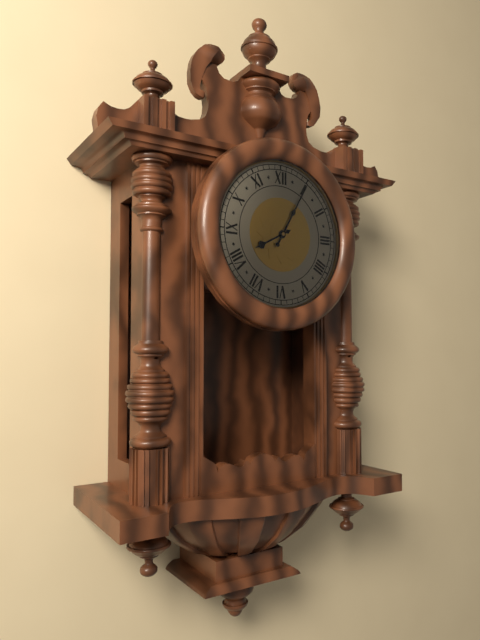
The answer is 8.05
